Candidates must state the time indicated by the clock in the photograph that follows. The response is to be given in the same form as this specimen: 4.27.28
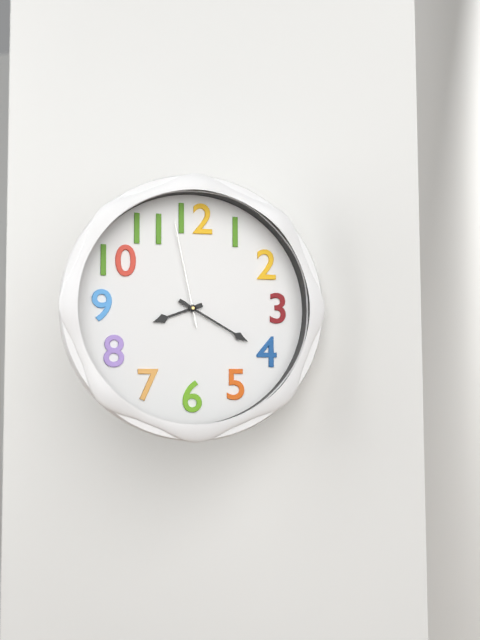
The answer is 8.20.58
